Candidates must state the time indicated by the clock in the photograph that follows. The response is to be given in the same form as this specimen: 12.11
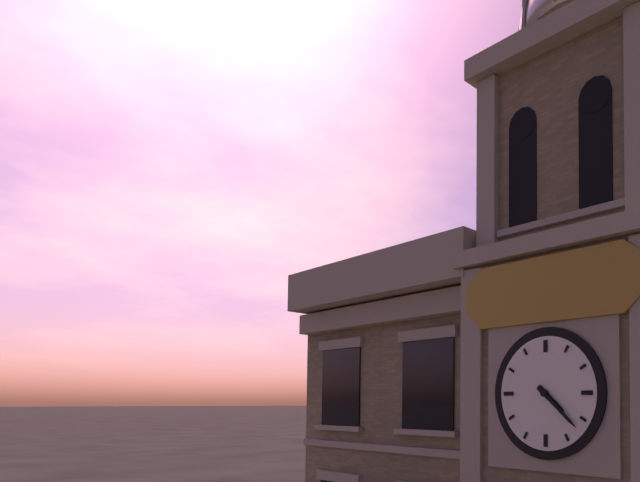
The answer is 4.22
